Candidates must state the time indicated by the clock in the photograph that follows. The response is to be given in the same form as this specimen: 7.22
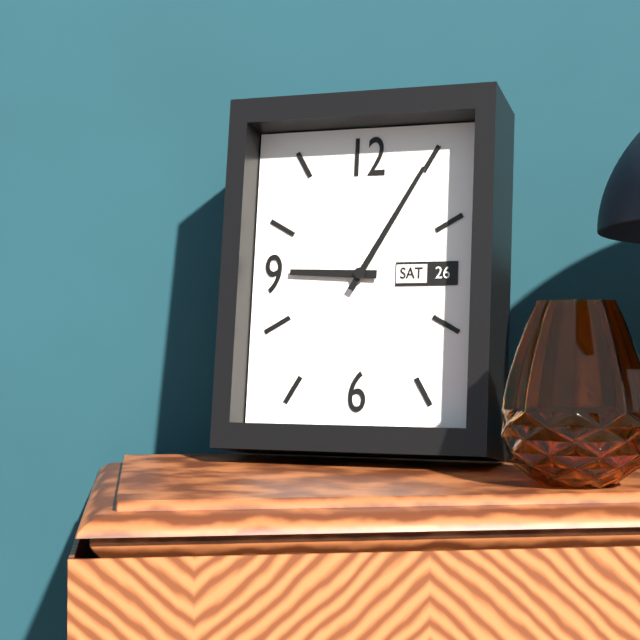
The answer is 9.05
